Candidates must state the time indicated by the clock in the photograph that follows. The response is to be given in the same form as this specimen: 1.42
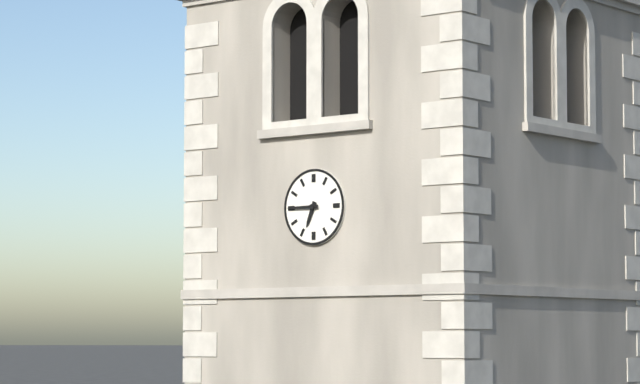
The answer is 6.45
